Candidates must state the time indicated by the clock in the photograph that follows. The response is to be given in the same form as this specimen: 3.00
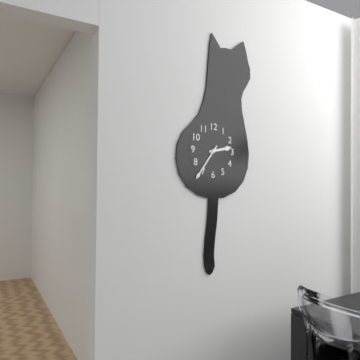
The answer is 2.36
